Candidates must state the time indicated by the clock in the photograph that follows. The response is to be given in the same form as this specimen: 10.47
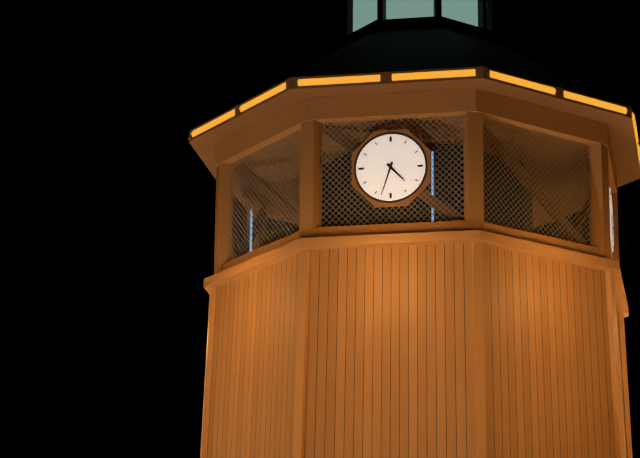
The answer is 4.33
